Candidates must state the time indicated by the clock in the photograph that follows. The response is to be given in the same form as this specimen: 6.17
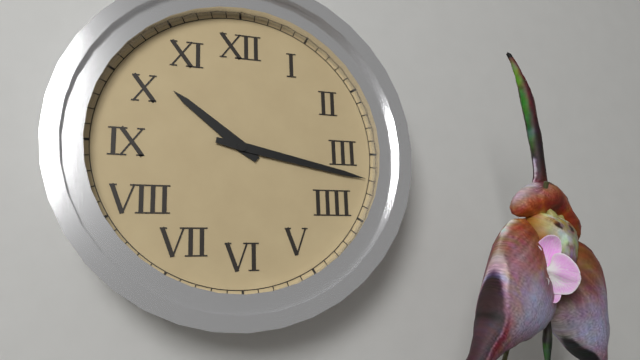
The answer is 10.17
